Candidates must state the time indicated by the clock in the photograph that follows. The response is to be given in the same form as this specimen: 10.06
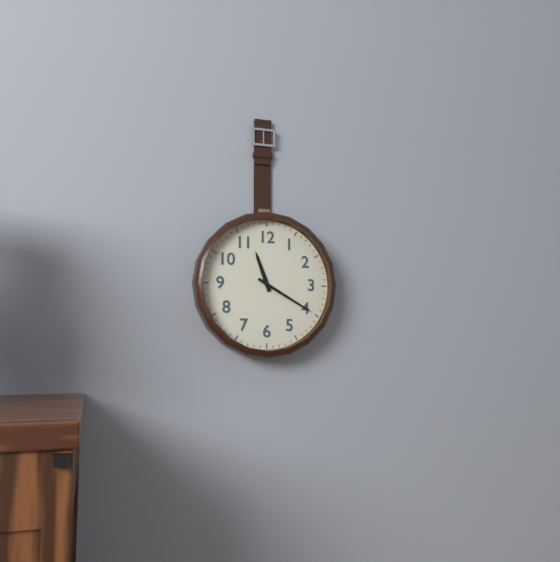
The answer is 11.20
